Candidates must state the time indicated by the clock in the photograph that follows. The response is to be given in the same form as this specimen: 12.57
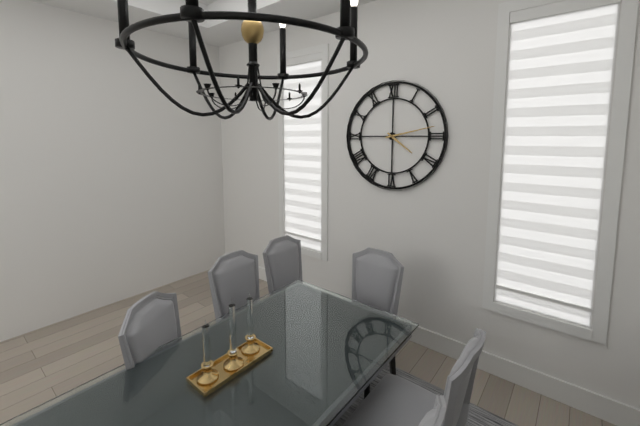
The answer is 4.13
